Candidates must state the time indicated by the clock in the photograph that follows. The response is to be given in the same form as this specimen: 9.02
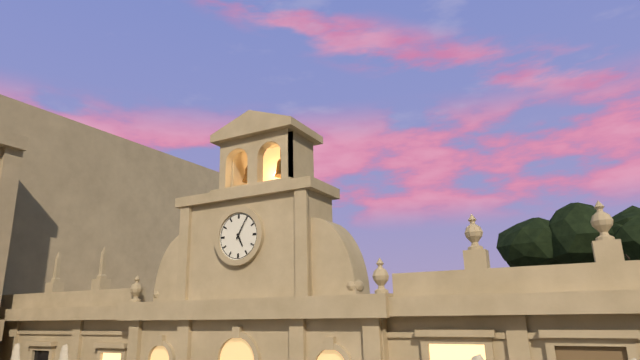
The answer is 5.05
